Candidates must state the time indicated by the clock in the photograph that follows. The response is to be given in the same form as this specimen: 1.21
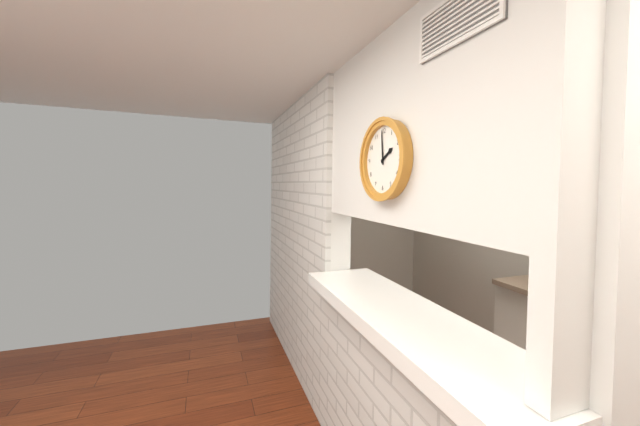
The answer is 1.59
